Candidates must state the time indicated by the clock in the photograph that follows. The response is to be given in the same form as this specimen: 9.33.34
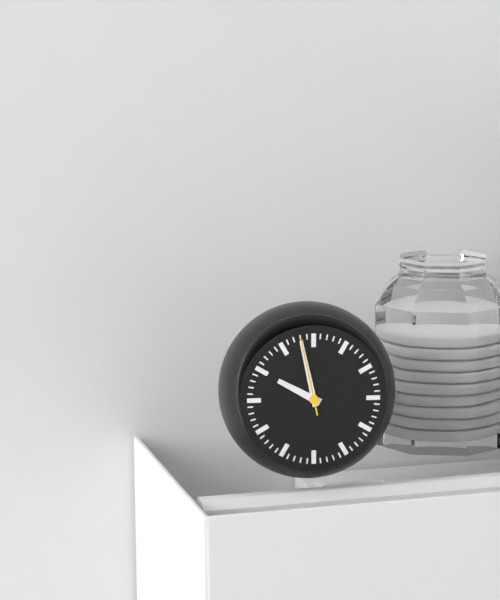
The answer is 9.58.58
